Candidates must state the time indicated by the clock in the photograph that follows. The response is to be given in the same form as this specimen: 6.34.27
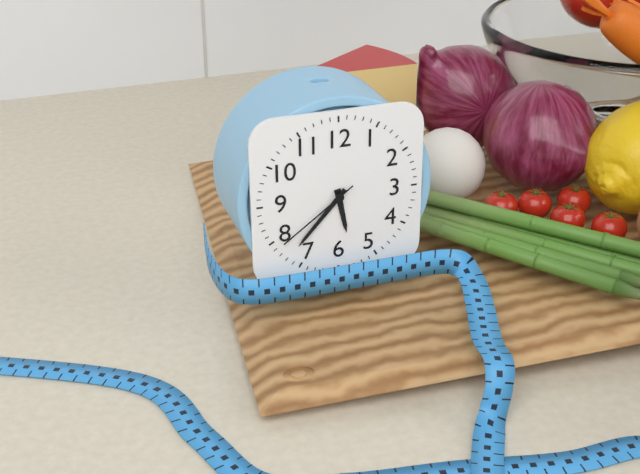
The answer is 5.37.39
